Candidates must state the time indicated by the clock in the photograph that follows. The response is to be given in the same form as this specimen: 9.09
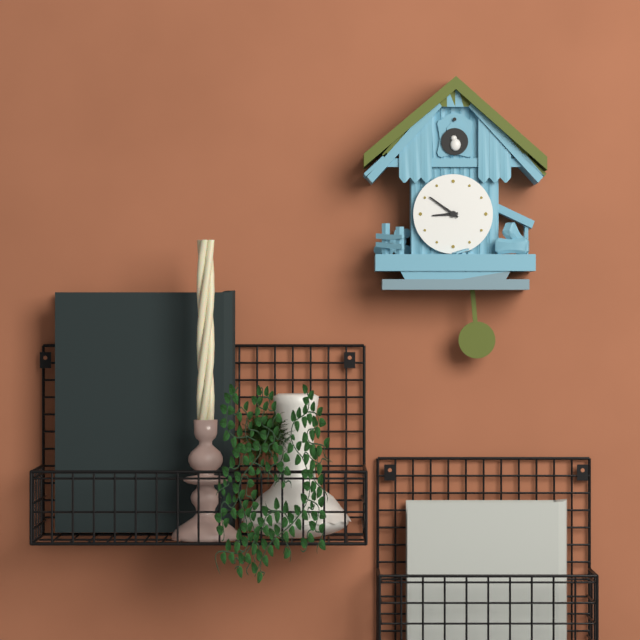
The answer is 8.51
